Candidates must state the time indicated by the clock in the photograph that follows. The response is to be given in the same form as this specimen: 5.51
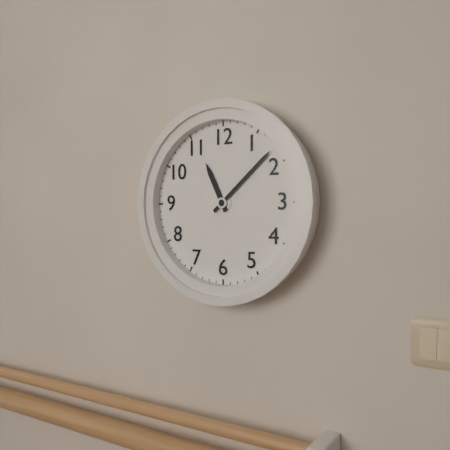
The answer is 11.08
